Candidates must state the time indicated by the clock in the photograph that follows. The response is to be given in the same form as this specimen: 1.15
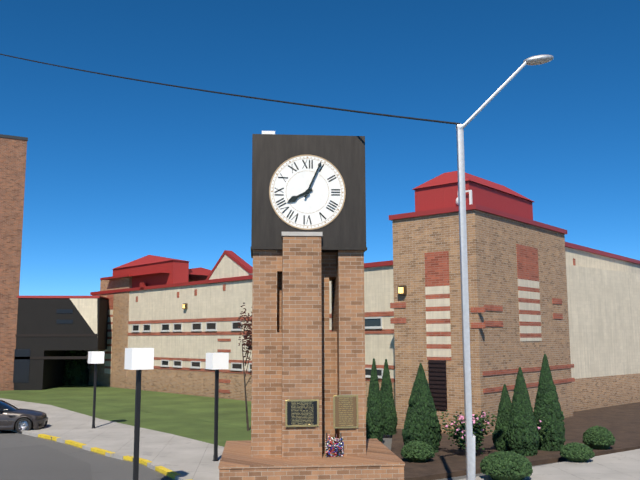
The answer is 8.04
